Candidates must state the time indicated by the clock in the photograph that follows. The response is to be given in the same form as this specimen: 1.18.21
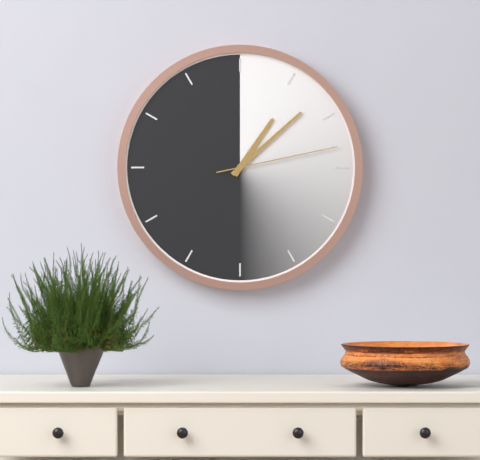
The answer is 1.08.13
